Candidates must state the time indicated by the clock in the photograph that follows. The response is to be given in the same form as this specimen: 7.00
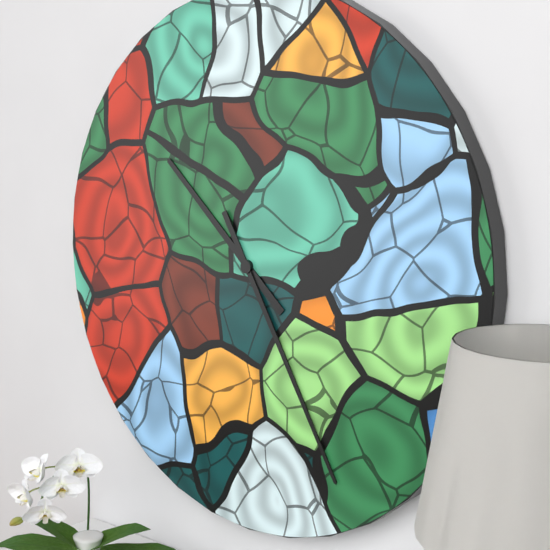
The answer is 10.25
